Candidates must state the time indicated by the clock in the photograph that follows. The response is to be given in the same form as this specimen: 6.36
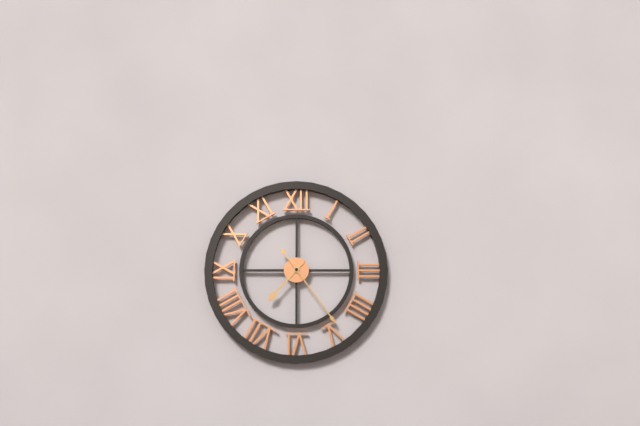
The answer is 7.24
